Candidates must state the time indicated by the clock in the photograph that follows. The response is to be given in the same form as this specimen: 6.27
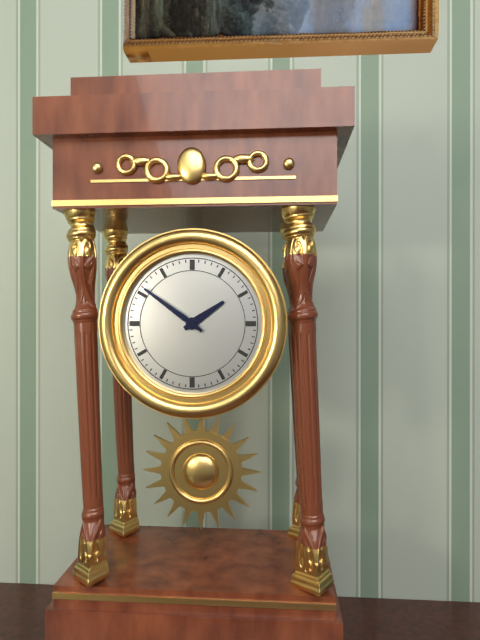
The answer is 1.51
